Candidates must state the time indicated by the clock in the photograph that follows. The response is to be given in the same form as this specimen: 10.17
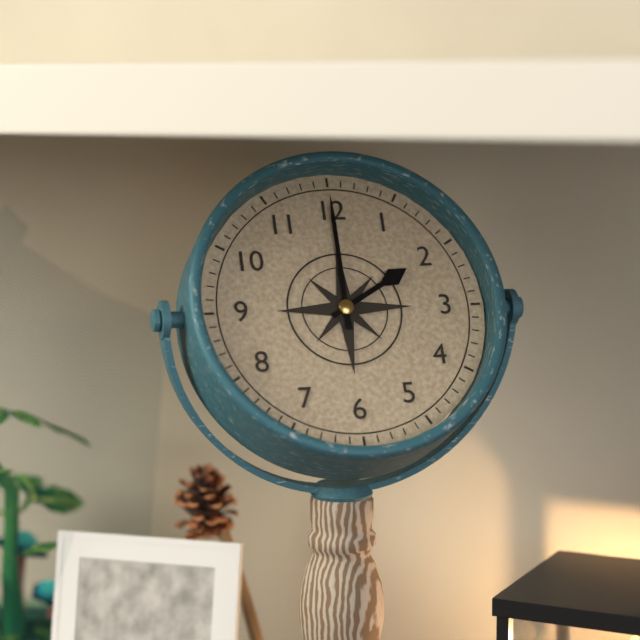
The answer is 2.00
